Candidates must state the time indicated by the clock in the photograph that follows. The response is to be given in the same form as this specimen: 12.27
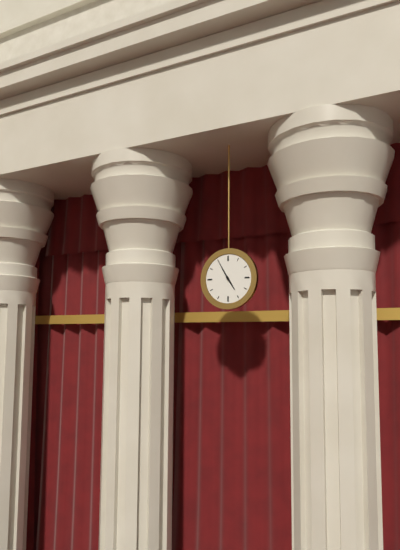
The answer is 4.55
